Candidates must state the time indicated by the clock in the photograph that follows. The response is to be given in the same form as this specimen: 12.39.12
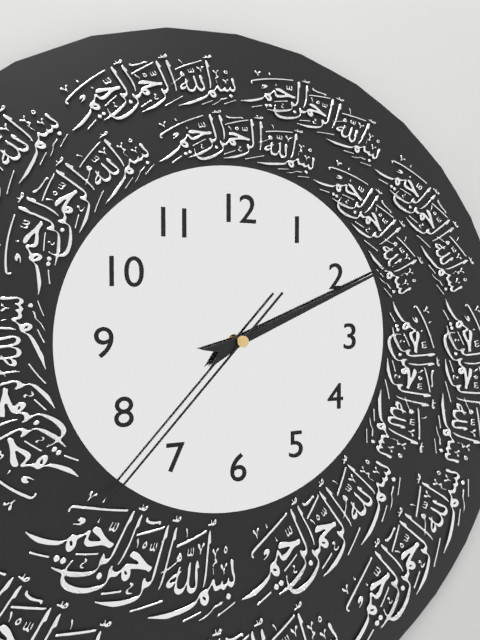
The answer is 2.11.37
